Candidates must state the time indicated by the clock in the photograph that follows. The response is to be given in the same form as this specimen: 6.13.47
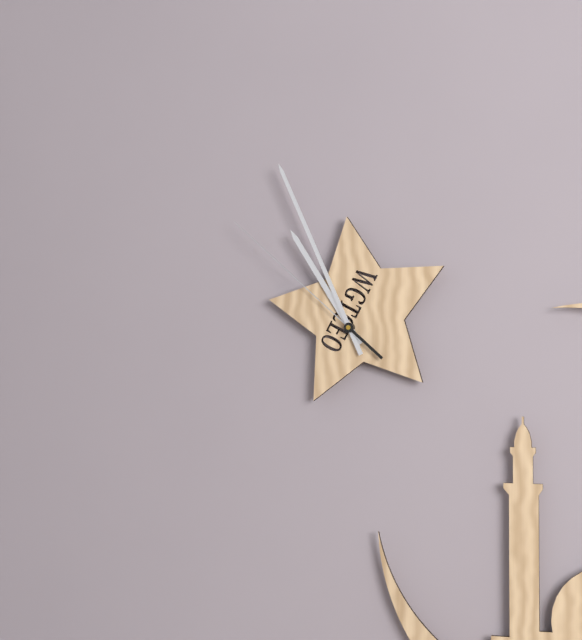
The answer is 10.56.52
